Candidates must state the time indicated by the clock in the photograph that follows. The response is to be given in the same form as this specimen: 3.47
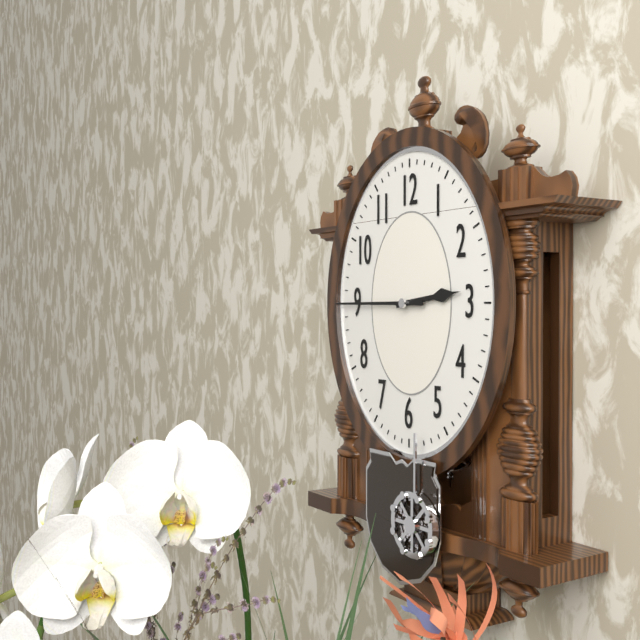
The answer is 2.45
